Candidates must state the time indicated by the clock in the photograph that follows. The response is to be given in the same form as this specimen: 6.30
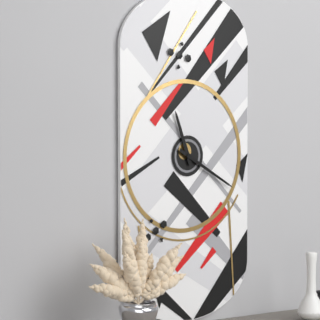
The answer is 11.20
